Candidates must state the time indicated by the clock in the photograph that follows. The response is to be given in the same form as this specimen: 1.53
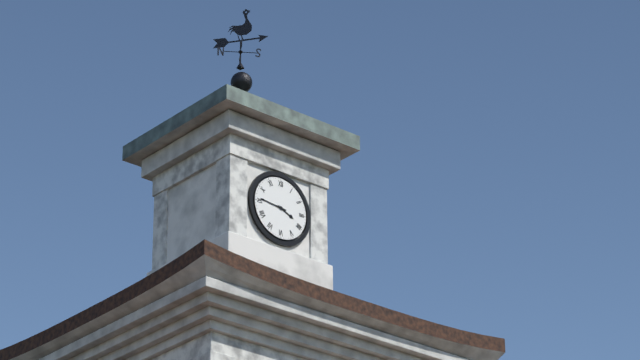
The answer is 3.46
